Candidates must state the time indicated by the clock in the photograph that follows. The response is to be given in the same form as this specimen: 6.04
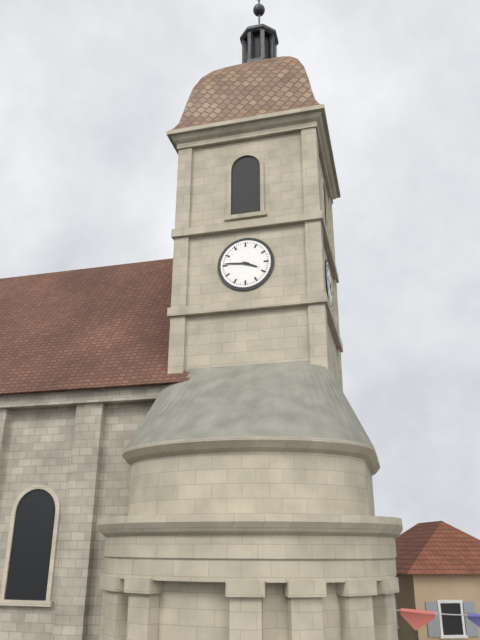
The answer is 3.46
